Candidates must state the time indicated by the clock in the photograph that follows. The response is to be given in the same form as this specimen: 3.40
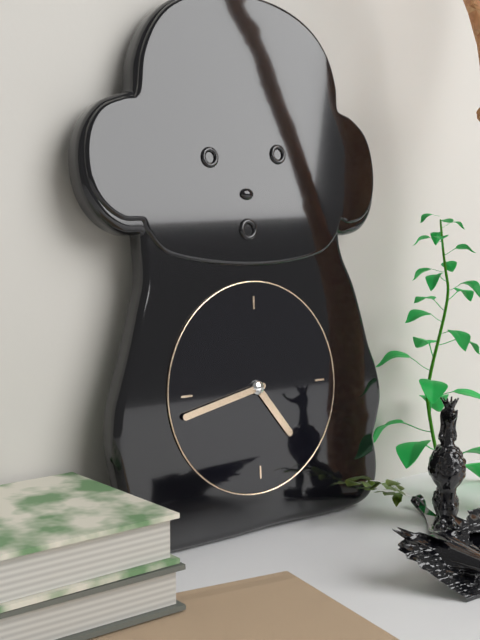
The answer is 4.43
